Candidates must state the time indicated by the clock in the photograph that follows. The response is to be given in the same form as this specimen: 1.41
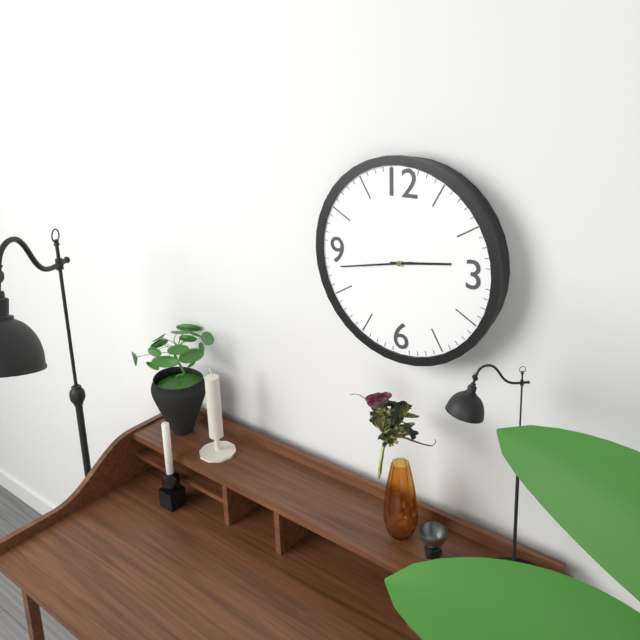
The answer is 2.43
